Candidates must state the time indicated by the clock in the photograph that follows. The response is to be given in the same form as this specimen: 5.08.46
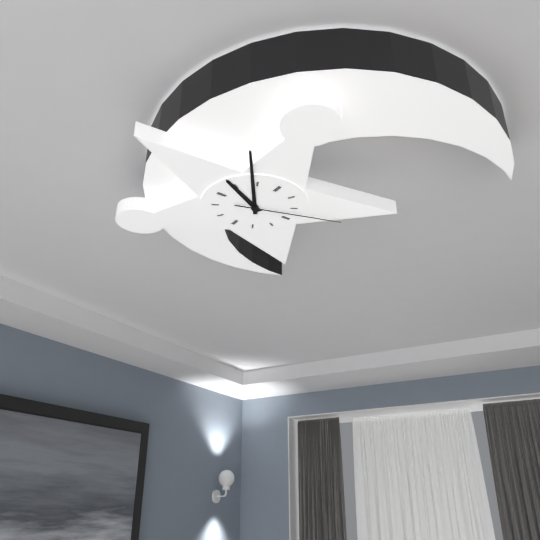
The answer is 9.54.12
